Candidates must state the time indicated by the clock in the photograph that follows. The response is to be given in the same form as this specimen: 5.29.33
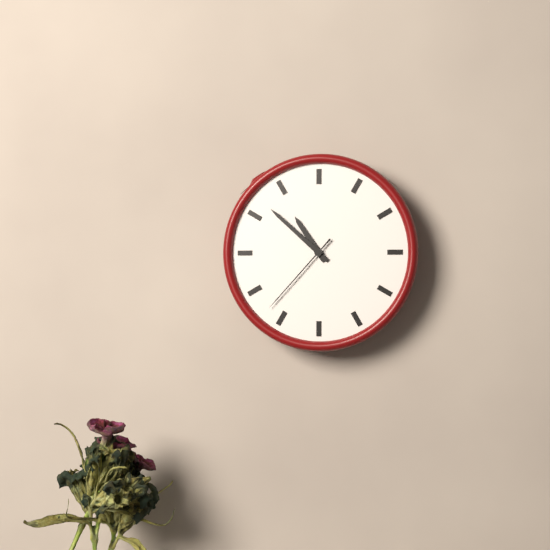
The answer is 10.52.37
